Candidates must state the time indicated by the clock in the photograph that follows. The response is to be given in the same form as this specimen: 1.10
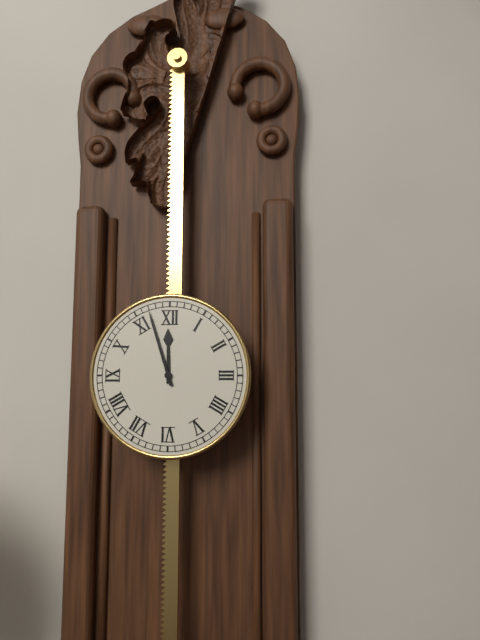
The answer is 11.57
